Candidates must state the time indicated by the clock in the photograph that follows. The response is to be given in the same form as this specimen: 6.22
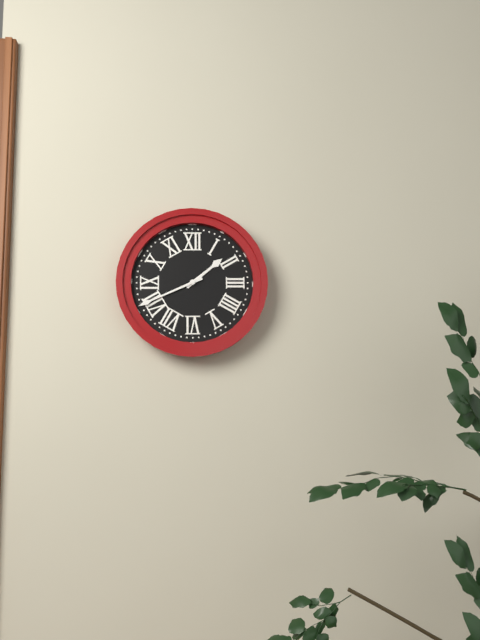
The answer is 1.41
